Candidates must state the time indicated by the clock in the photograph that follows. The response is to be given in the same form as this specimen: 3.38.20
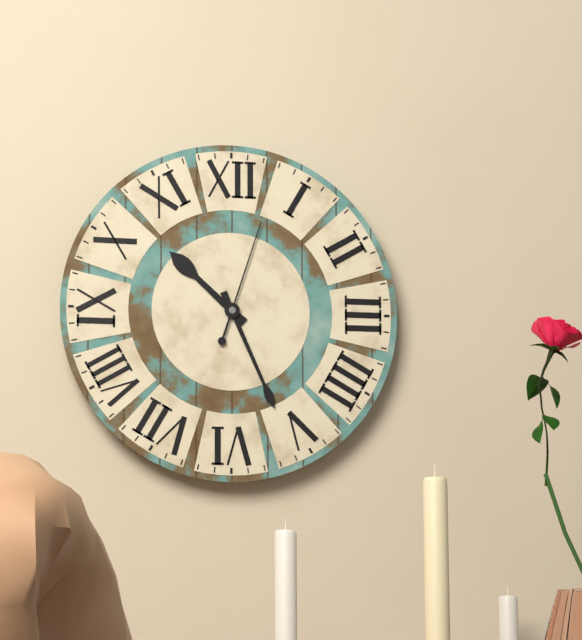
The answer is 10.26.03
